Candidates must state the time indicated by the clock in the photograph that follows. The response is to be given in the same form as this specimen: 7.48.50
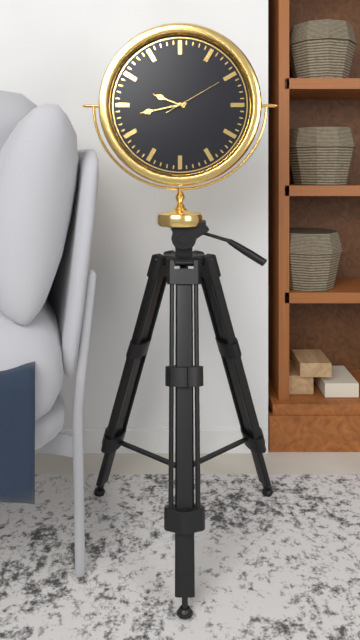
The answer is 9.43.10
